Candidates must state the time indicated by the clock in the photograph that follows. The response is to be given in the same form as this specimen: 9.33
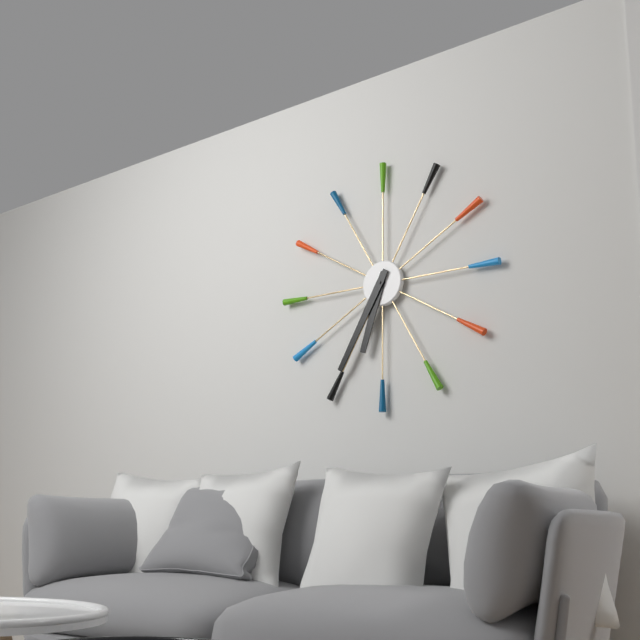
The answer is 6.35
